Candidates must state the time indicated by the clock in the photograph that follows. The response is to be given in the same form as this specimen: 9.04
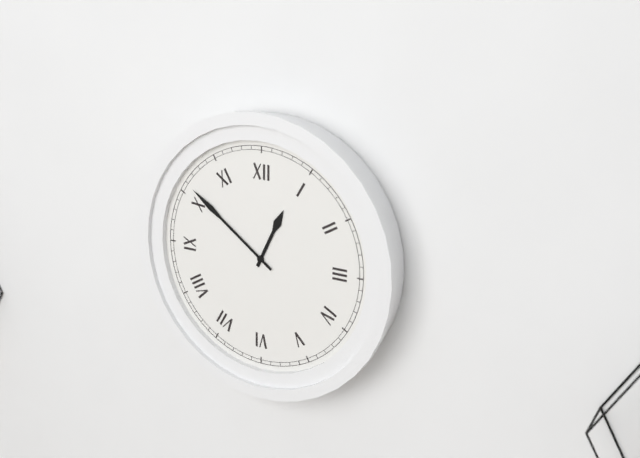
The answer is 12.51
